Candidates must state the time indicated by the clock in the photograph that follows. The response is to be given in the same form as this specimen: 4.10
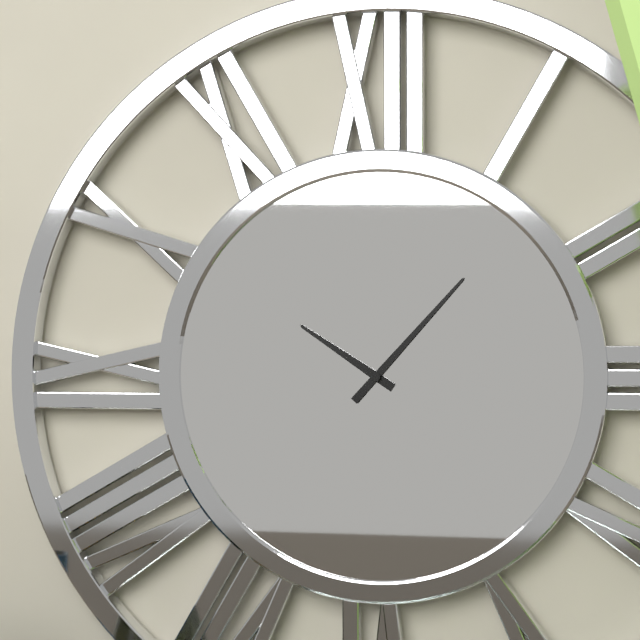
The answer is 10.07
